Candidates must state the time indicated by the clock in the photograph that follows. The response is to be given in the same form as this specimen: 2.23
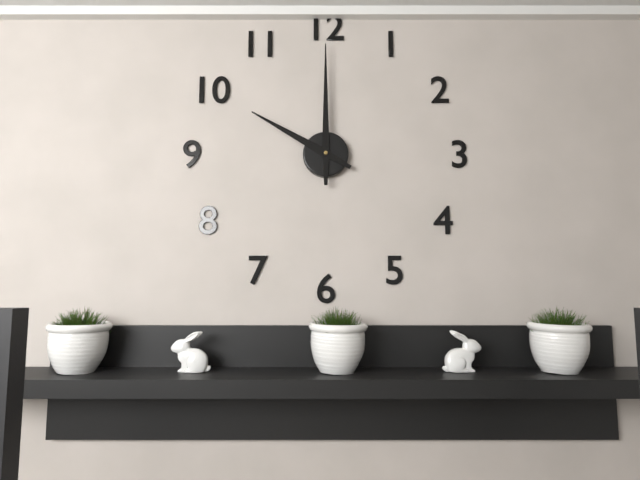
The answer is 10.00
